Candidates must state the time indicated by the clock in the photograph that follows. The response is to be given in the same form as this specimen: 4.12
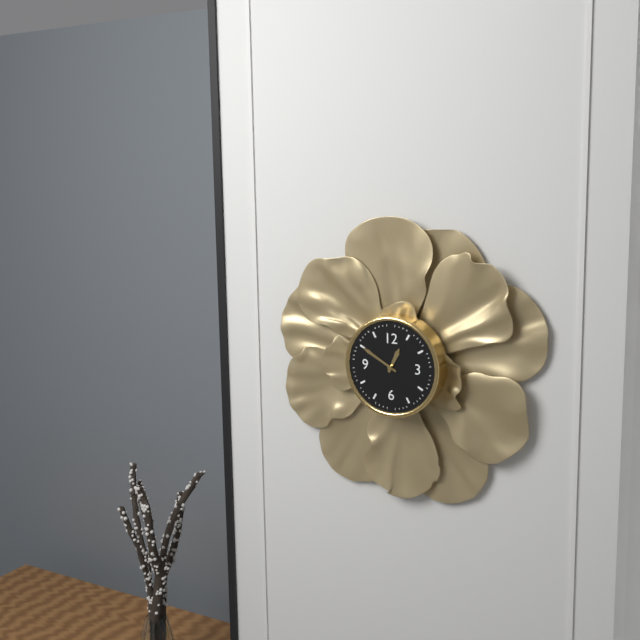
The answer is 12.50
